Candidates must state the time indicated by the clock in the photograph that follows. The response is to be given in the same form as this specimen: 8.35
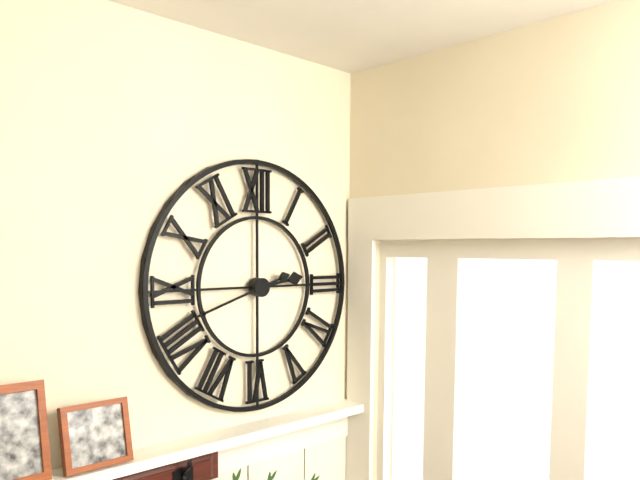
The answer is 2.42
